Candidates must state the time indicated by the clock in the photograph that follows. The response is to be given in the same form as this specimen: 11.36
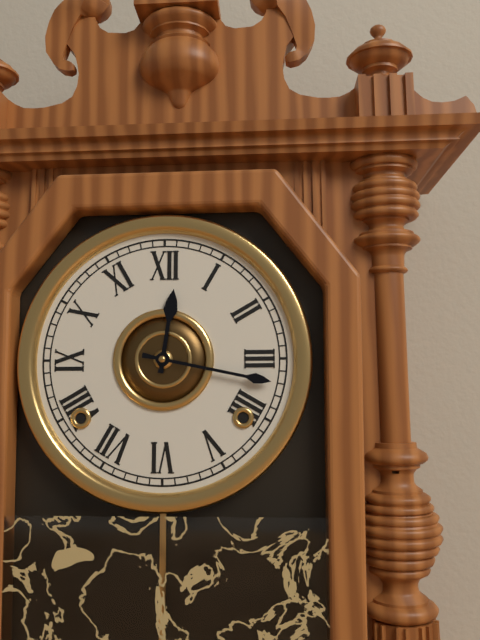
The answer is 12.17
